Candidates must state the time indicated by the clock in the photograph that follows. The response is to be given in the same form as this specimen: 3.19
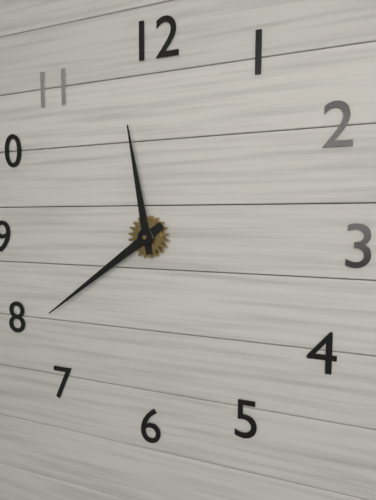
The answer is 11.39
